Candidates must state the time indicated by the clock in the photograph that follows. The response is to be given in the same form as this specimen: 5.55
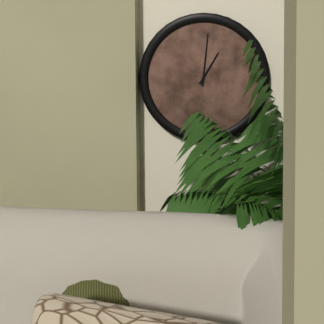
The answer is 1.01
